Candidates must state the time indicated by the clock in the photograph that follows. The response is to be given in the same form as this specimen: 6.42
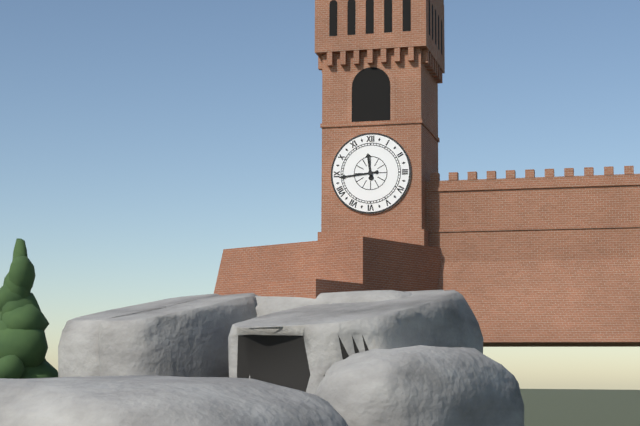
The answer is 11.44
